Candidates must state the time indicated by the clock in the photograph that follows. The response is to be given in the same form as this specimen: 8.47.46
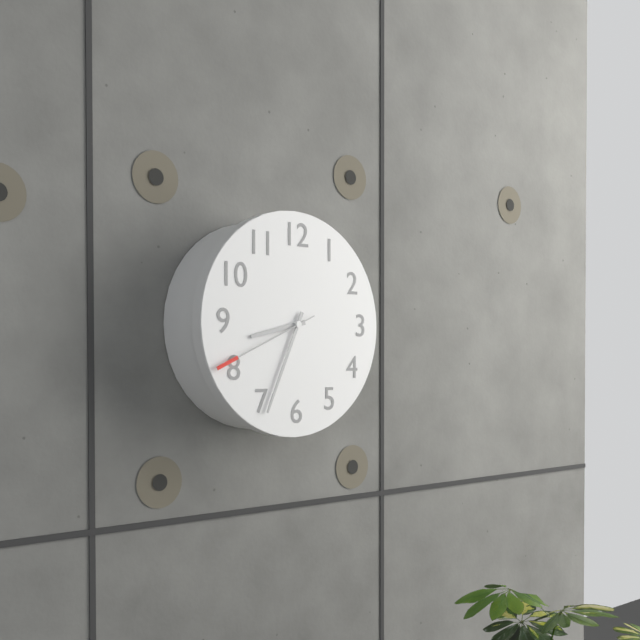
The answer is 8.34.41
